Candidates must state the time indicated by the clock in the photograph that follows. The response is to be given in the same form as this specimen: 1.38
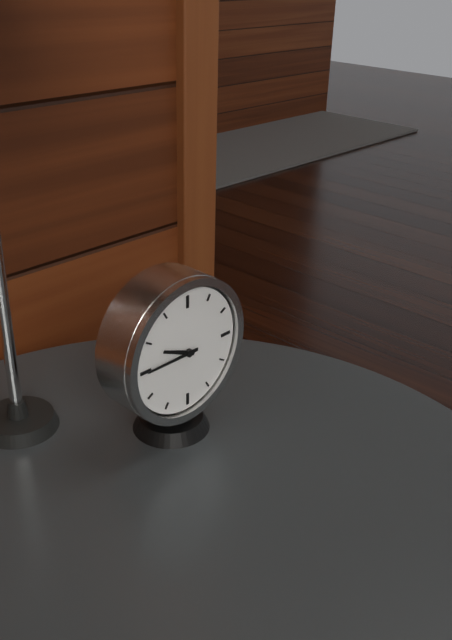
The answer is 9.45
